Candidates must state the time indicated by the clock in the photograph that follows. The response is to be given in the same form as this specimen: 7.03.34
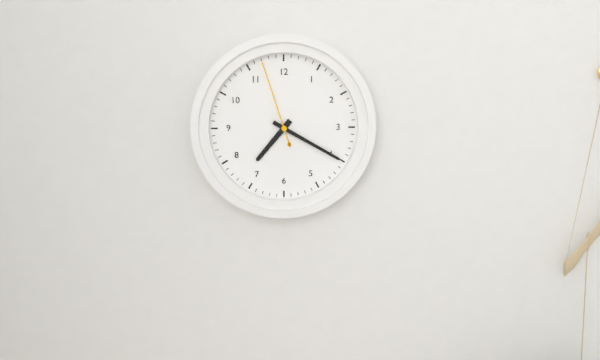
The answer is 7.20.57
